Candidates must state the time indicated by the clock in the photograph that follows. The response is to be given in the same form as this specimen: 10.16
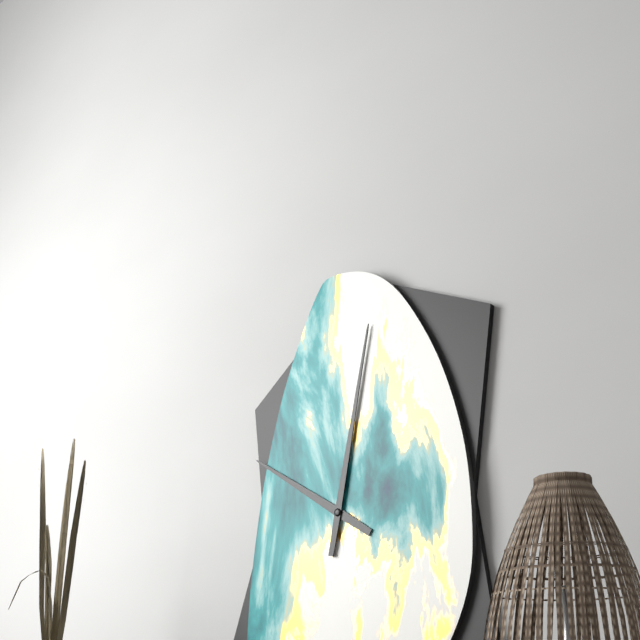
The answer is 10.02
